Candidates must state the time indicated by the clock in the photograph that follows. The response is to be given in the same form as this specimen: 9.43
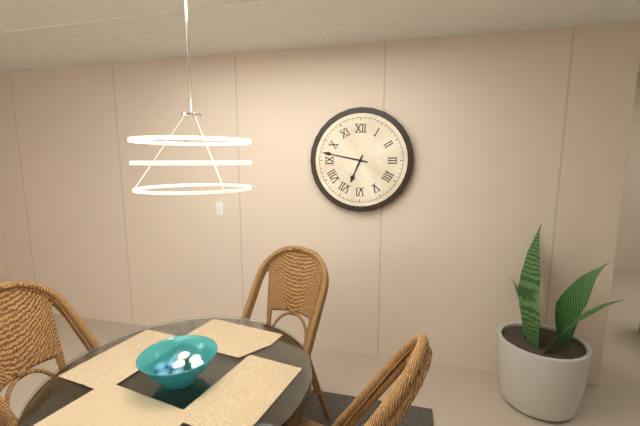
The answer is 6.47
